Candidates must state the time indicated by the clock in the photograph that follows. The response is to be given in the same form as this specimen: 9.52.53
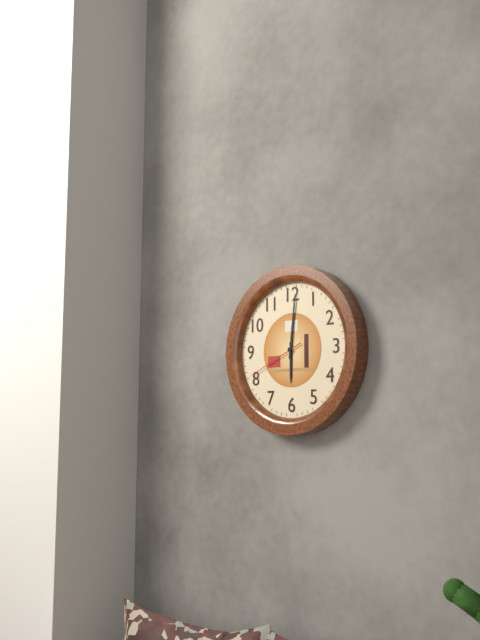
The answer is 6.01.41
